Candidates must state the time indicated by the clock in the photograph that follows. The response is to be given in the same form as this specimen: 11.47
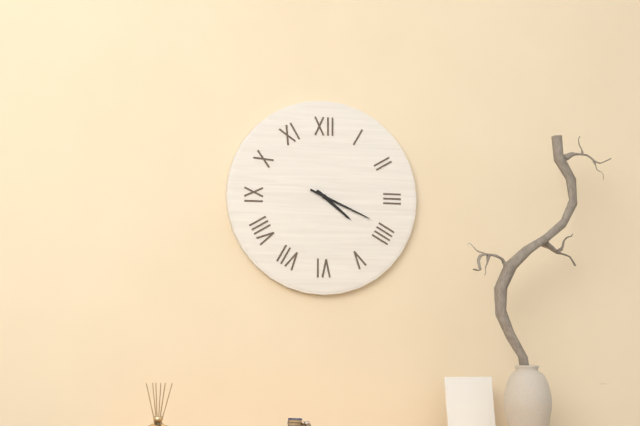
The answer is 4.19
